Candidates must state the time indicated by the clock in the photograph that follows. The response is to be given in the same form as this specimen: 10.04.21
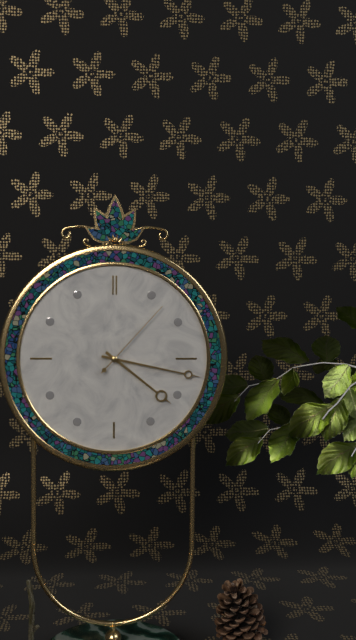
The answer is 4.17.07
